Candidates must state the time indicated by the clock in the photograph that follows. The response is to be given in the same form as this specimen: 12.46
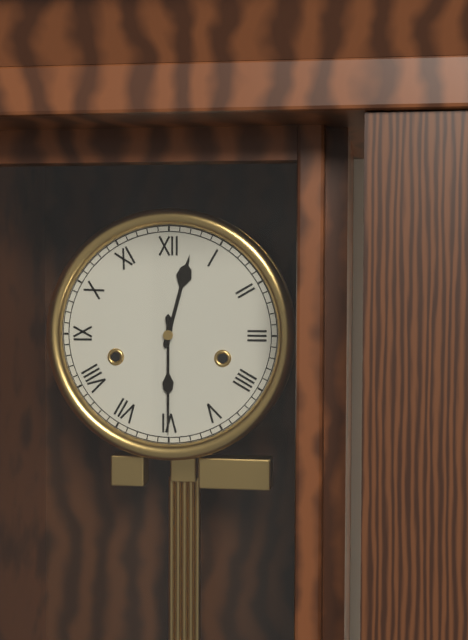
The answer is 12.30
